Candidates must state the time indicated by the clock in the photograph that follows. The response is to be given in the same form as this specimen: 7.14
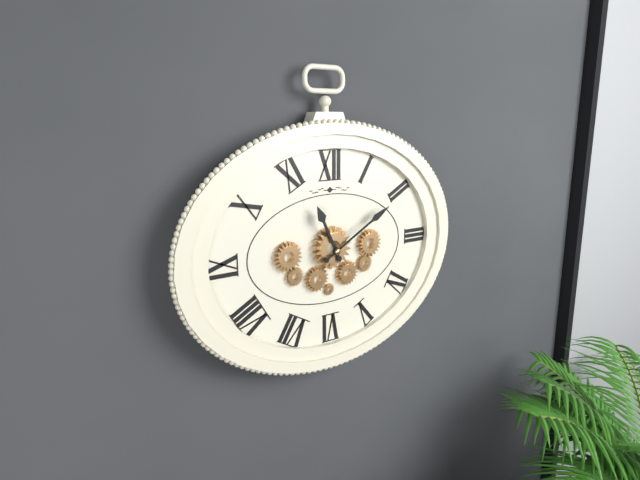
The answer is 11.10
